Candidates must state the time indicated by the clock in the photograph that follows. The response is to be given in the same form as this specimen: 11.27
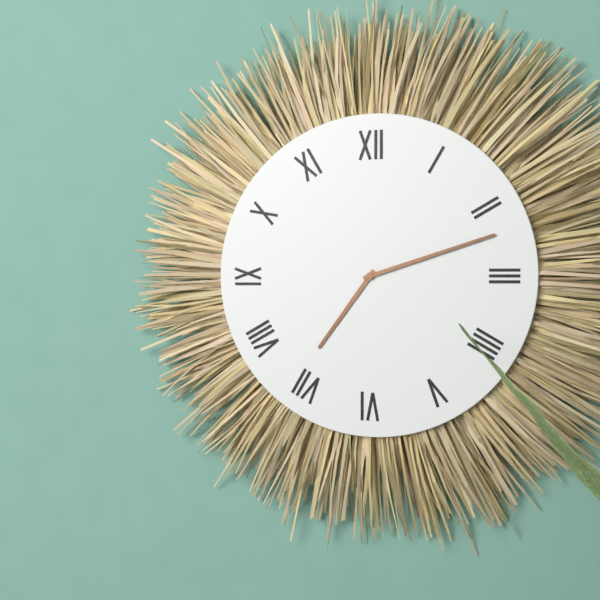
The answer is 7.12
